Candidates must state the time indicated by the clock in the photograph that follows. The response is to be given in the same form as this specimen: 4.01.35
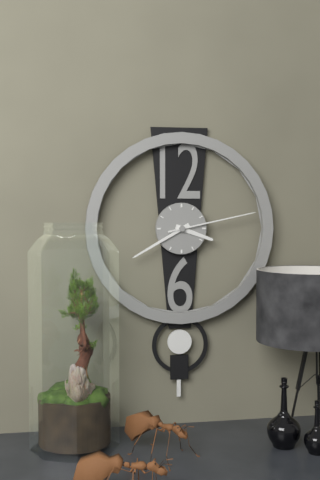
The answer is 3.40.13
